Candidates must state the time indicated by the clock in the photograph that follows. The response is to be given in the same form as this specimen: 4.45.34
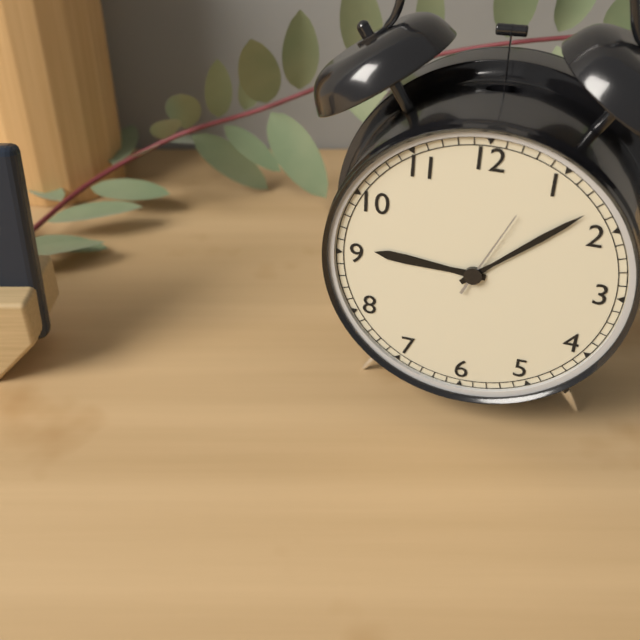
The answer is 9.08.04
